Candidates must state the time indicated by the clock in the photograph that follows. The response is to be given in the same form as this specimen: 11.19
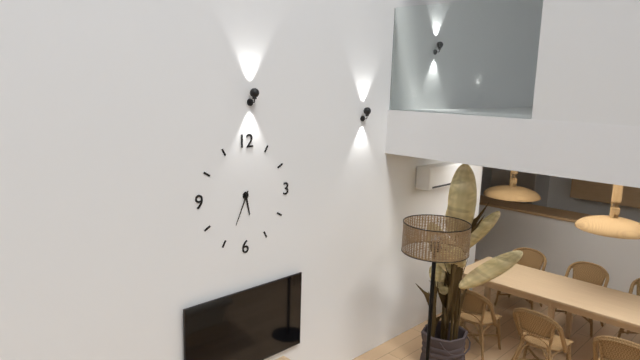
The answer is 5.34
